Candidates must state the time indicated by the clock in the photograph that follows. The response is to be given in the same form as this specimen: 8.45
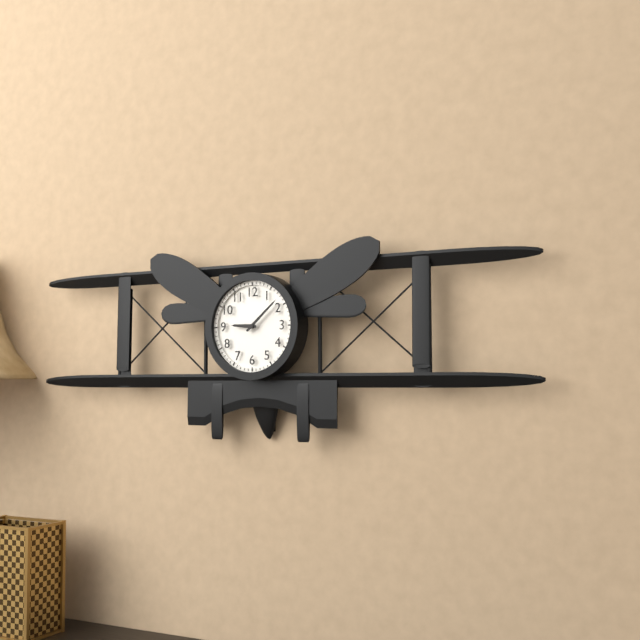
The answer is 9.08
